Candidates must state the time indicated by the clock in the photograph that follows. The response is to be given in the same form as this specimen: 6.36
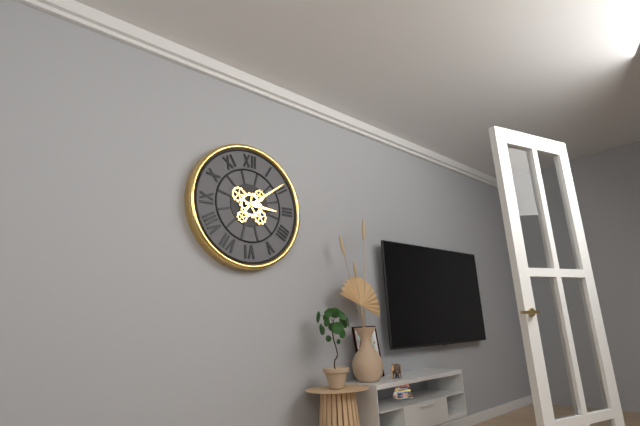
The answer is 3.09
